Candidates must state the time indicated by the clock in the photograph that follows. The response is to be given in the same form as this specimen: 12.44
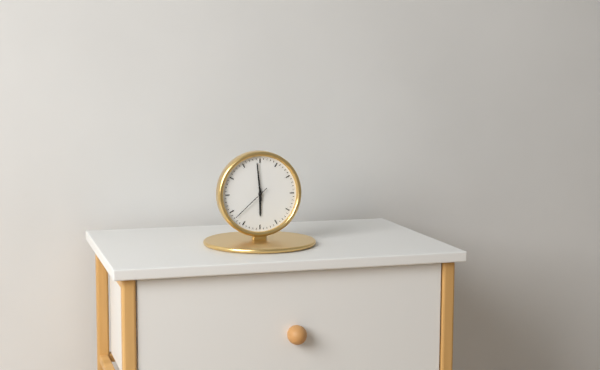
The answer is 5.59
